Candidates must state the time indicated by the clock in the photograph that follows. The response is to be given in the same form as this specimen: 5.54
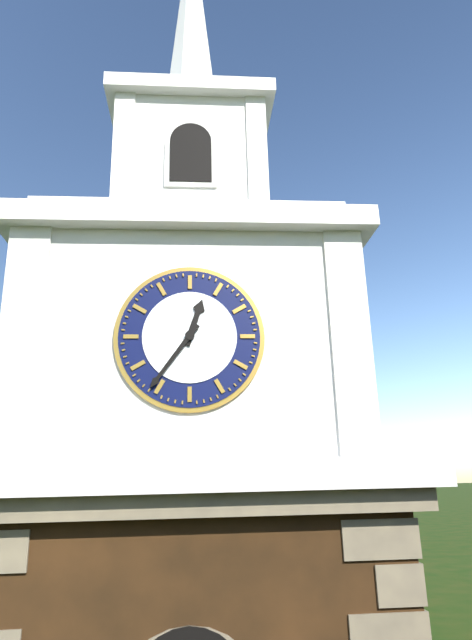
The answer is 12.36
